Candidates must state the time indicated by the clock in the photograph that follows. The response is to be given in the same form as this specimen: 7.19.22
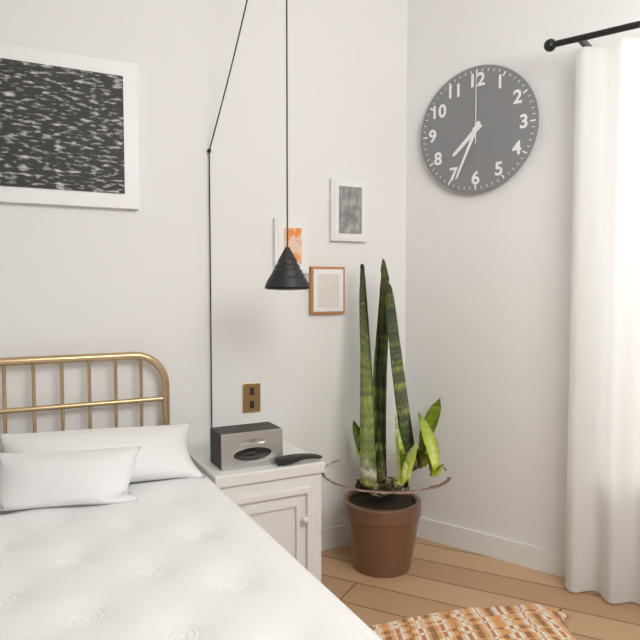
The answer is 7.34.00
